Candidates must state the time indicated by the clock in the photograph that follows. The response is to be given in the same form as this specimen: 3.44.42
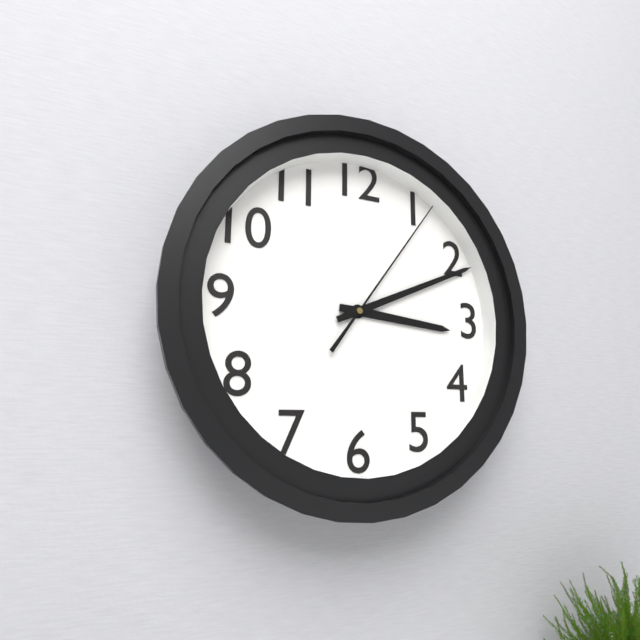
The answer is 3.11.06
